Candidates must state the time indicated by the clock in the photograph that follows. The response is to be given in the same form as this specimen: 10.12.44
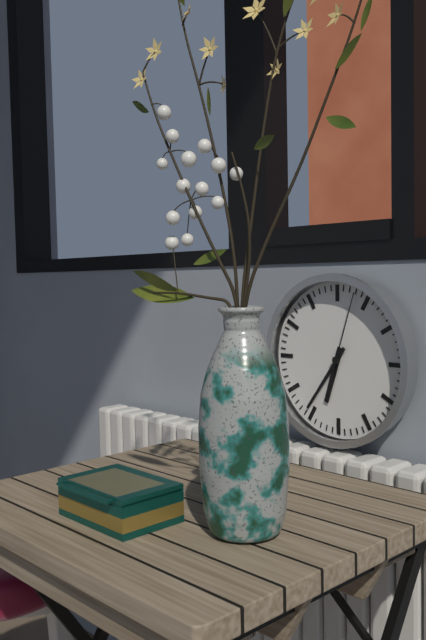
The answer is 6.36.03
